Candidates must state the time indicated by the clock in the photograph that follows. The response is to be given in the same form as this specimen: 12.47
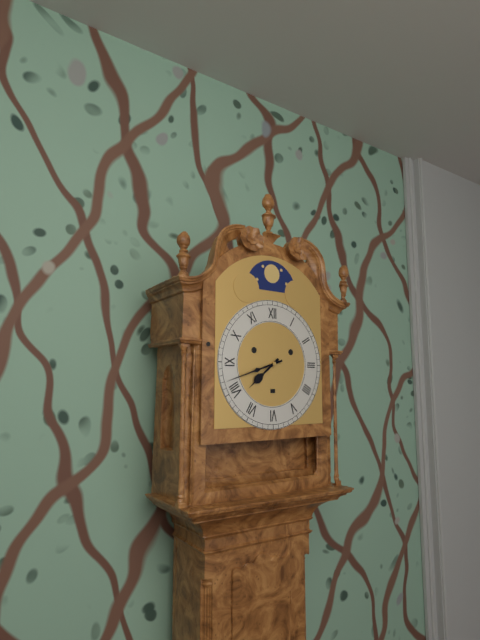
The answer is 7.42
